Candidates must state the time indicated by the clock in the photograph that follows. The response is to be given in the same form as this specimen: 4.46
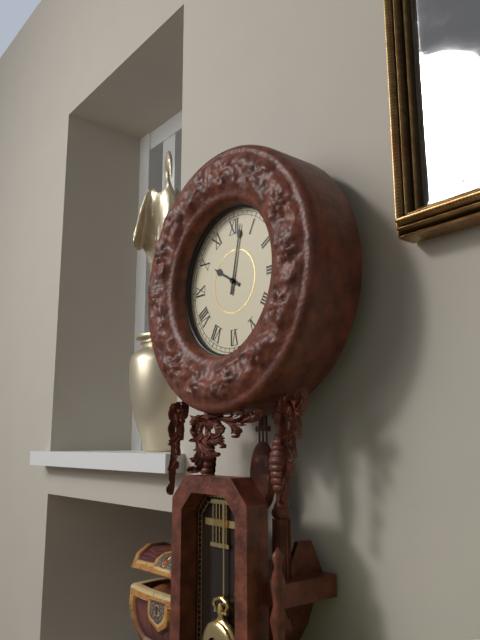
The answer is 10.02
